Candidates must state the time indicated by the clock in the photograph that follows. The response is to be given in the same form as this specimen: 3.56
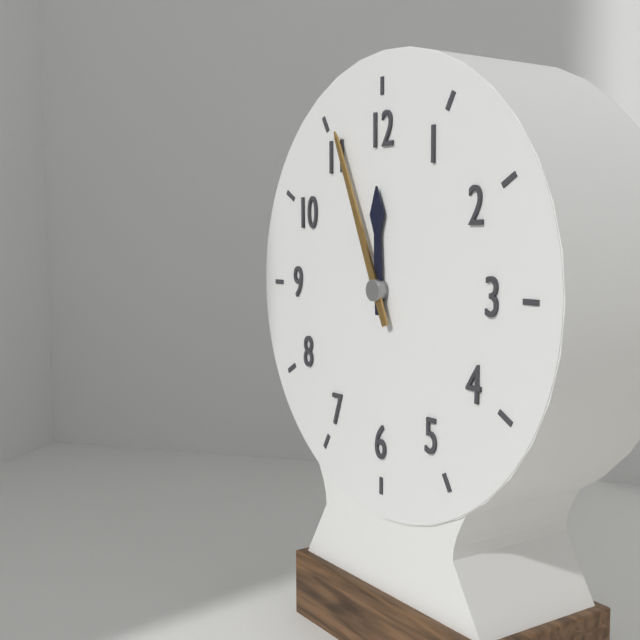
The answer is 11.56
